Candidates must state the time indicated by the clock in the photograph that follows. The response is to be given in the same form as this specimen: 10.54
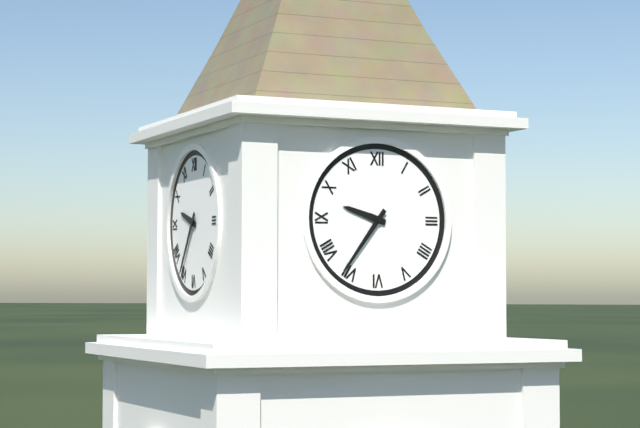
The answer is 9.36
